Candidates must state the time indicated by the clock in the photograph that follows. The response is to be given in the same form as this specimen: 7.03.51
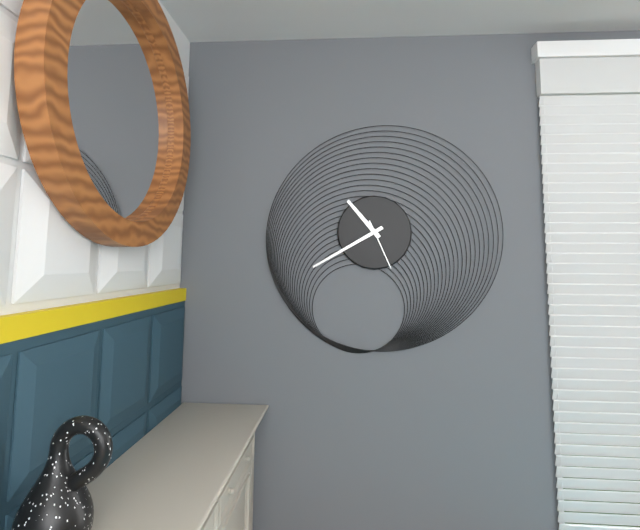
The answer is 10.40.26
